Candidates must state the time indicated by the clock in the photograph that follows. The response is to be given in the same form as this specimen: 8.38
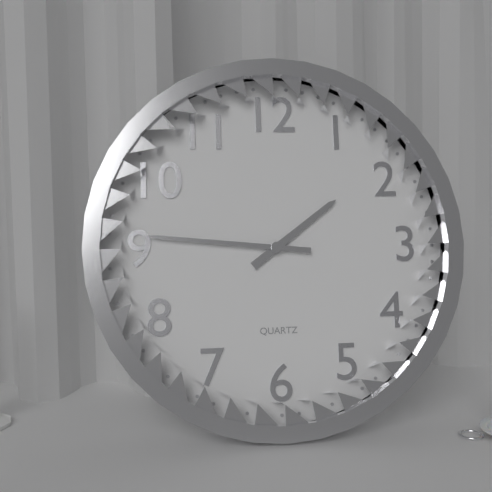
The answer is 1.46
